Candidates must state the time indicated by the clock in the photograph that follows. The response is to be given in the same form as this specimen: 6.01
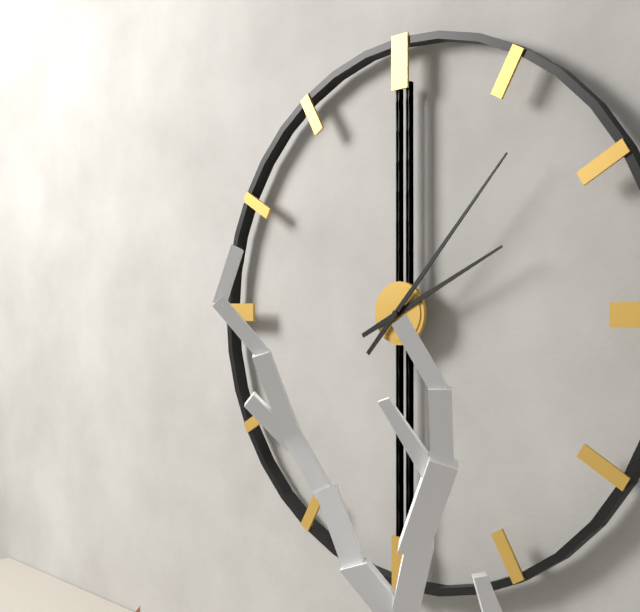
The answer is 2.07
